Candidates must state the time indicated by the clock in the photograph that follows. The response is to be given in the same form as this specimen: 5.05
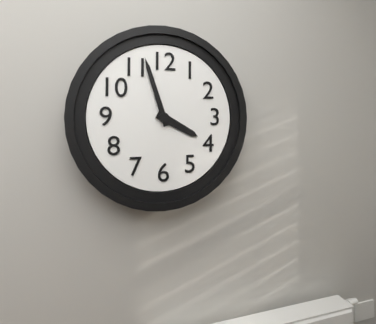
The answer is 3.57
